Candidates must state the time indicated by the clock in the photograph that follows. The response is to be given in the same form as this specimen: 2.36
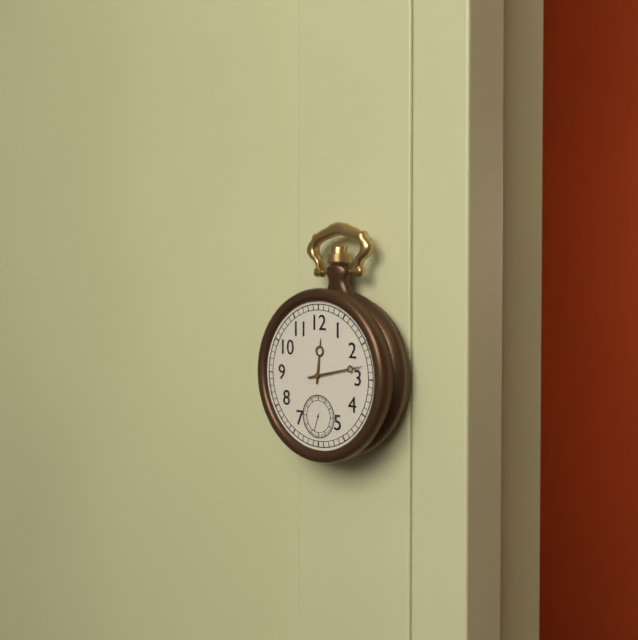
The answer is 12.13
